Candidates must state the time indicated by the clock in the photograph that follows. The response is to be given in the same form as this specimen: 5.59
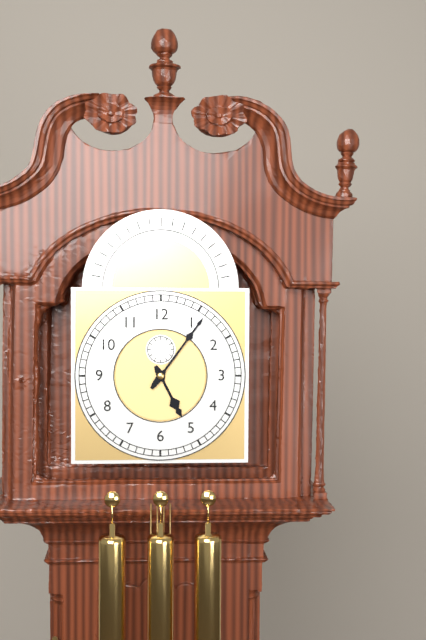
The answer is 5.06
